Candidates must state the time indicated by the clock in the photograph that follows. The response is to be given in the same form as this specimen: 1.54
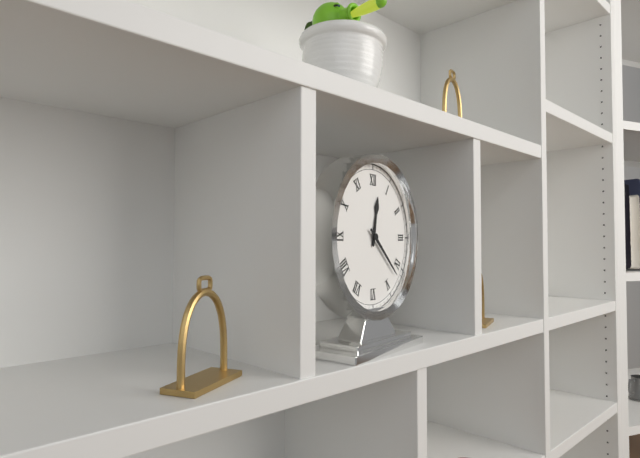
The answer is 12.22
